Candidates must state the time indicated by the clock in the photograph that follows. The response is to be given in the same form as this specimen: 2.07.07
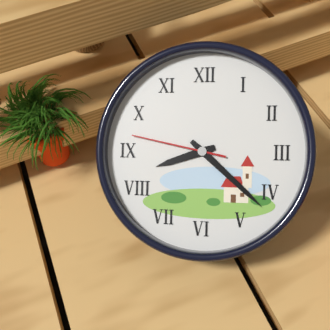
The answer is 8.22.47
